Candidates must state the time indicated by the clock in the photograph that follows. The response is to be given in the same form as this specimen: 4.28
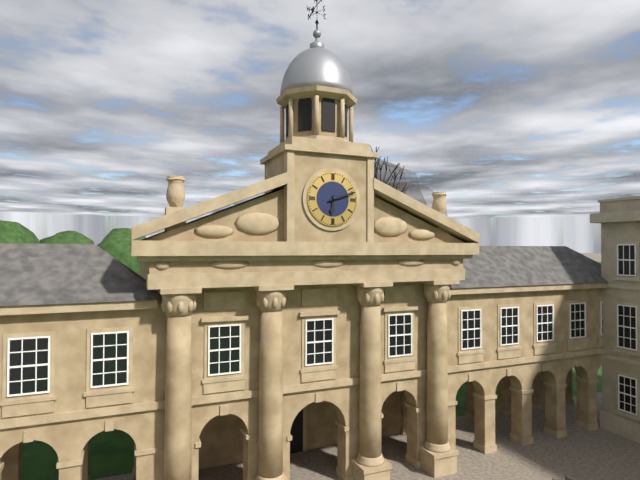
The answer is 6.12
